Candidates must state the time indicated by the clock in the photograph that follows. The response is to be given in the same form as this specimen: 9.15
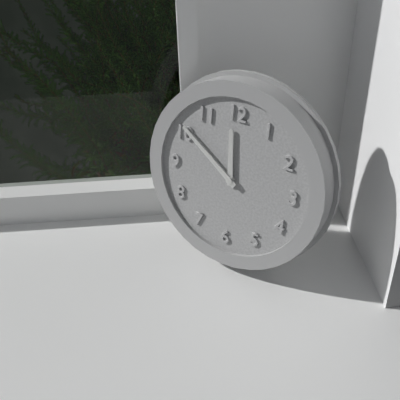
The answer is 11.51
